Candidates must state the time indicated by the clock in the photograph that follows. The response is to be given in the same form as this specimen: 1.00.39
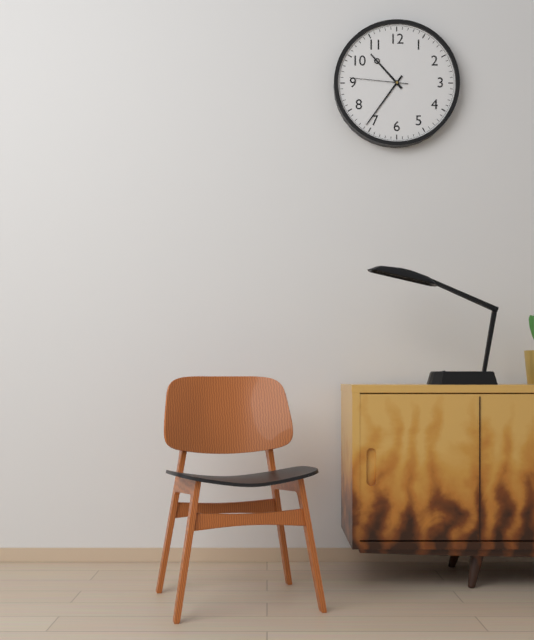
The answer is 10.36.46
